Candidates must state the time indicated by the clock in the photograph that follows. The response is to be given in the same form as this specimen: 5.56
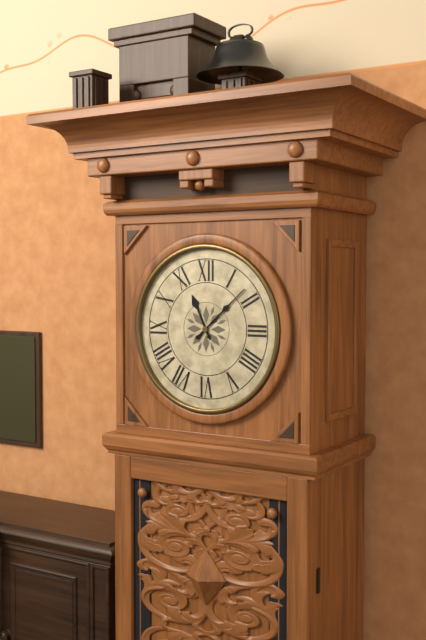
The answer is 11.08
